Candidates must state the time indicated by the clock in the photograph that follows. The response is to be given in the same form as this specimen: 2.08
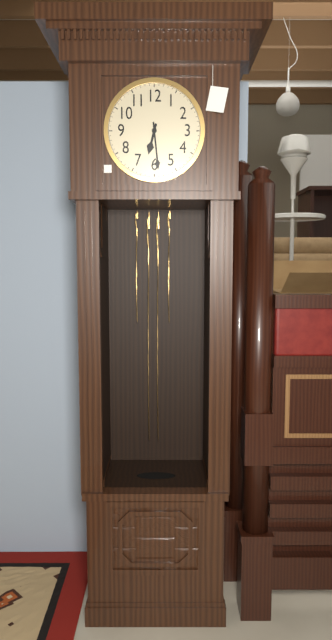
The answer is 6.29
